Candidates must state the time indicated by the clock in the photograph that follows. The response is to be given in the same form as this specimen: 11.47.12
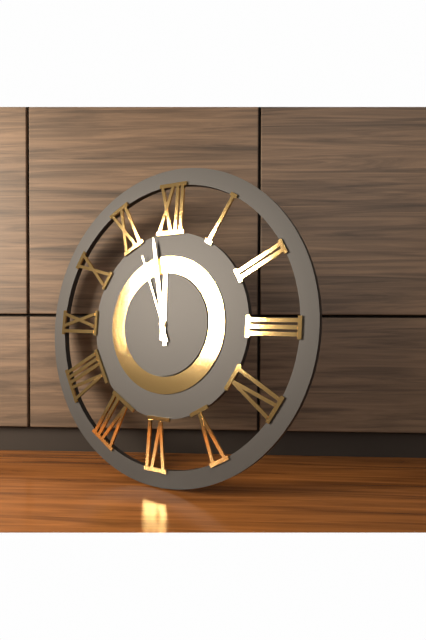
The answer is 11.58.56
